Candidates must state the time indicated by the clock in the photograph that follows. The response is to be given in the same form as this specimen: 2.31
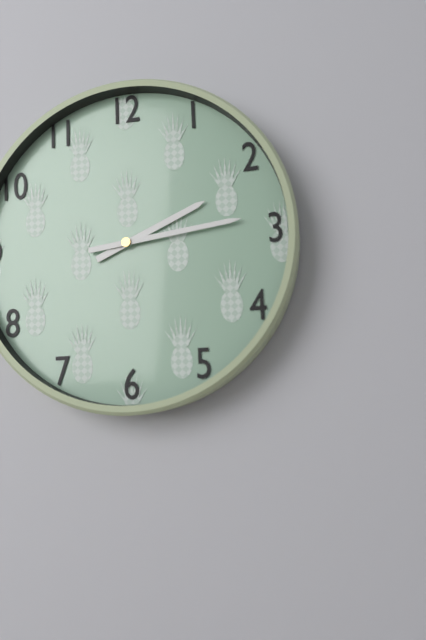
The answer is 2.14
